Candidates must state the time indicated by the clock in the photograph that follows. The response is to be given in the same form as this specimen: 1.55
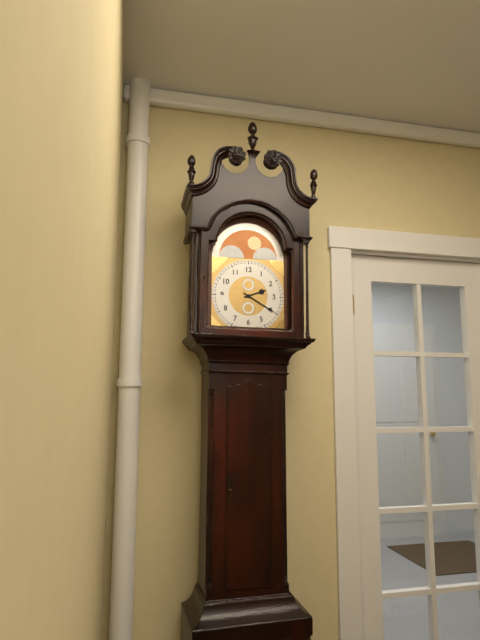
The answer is 2.20
